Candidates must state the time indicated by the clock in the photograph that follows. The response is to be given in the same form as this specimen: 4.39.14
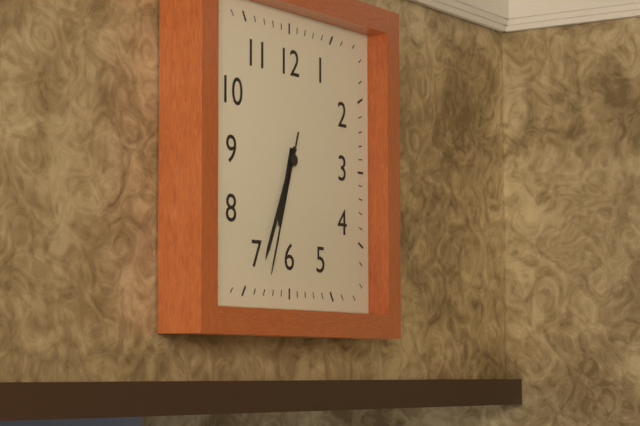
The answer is 6.34.33
